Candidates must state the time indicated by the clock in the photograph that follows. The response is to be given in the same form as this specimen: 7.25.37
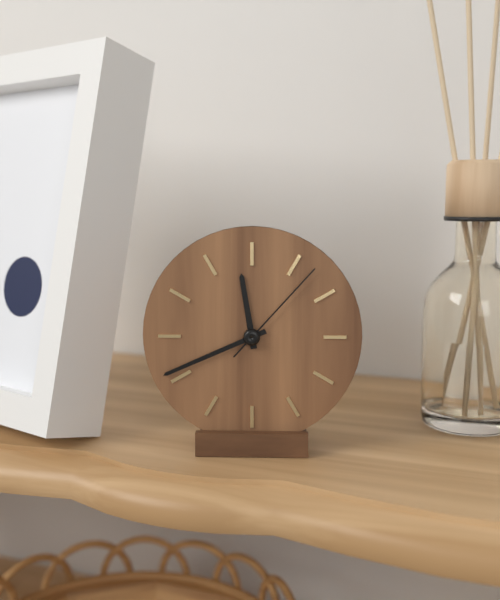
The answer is 11.41.07
